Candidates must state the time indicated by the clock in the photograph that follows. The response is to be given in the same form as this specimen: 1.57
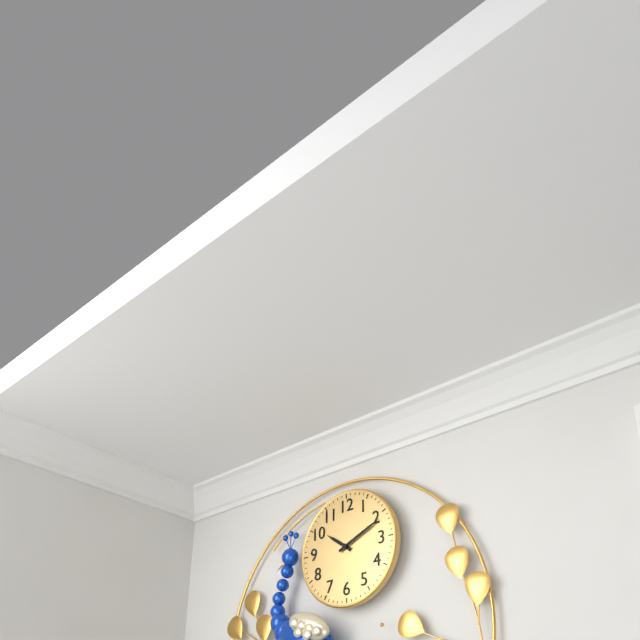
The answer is 10.11
